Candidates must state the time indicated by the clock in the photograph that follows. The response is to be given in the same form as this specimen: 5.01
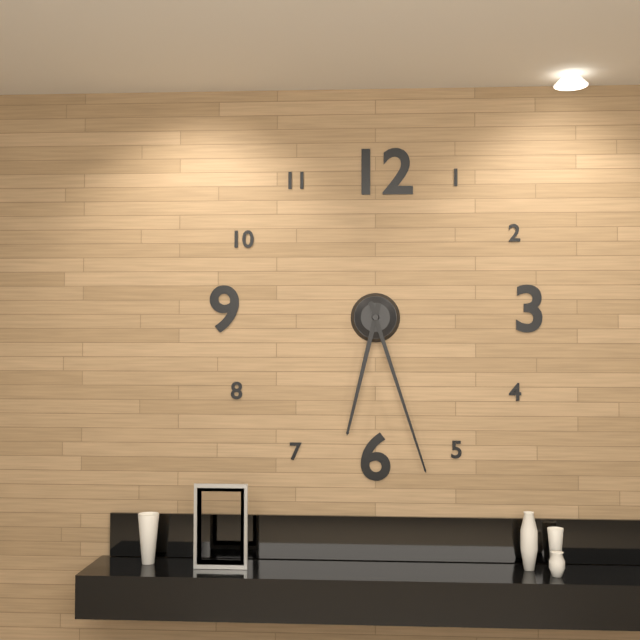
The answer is 6.27
